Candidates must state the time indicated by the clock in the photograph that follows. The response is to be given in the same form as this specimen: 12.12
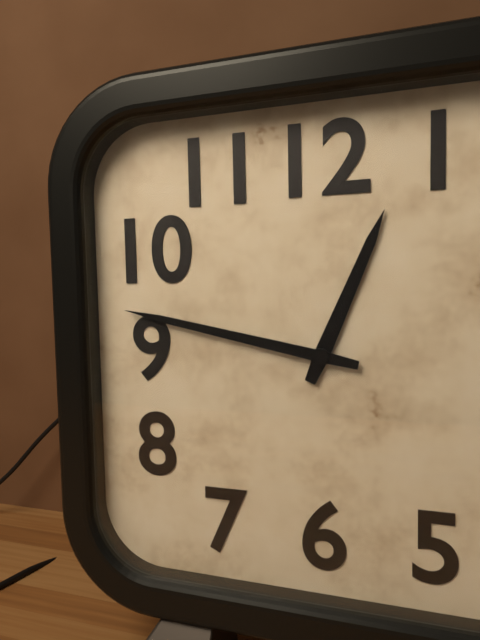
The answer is 12.47
